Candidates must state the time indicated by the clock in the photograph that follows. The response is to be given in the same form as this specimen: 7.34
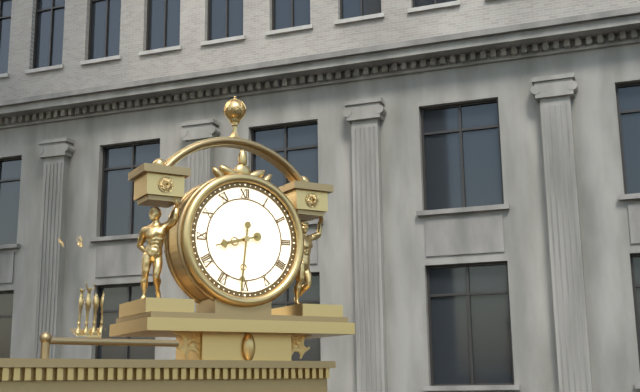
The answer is 8.31
